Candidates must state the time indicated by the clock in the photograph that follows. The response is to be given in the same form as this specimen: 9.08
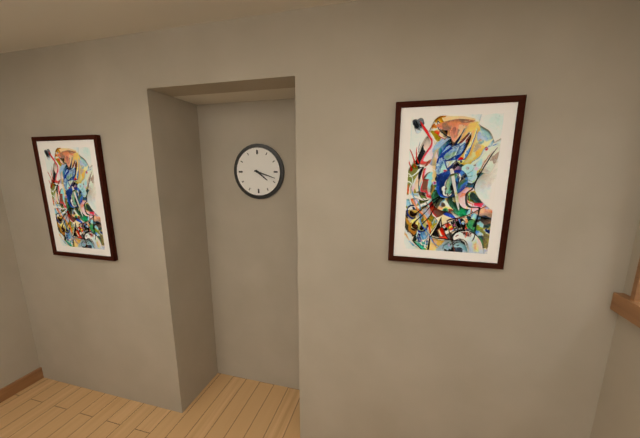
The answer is 4.18
